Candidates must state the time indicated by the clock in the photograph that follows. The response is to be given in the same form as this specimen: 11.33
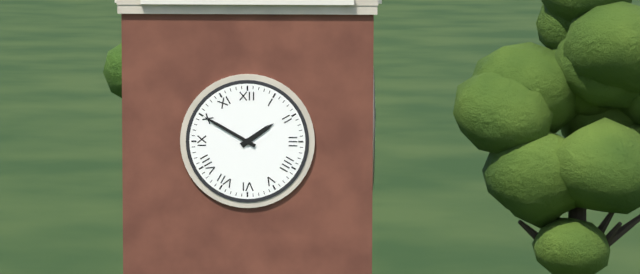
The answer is 1.50
